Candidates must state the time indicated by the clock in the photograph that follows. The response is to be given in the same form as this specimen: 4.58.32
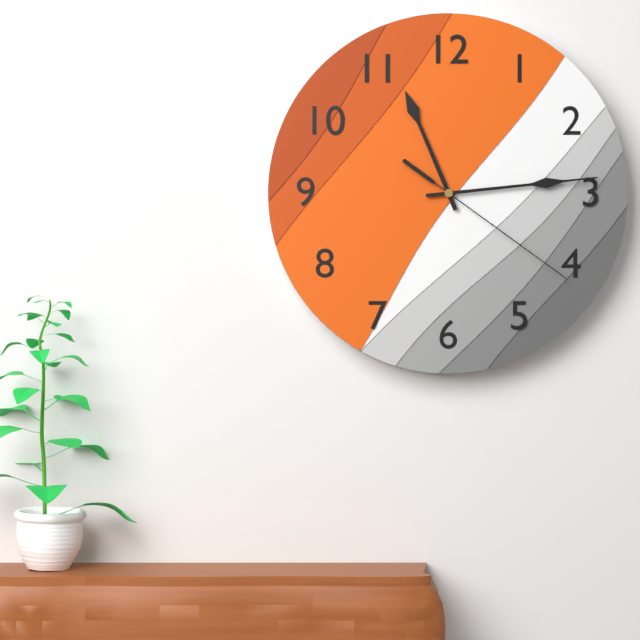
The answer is 11.14.21
